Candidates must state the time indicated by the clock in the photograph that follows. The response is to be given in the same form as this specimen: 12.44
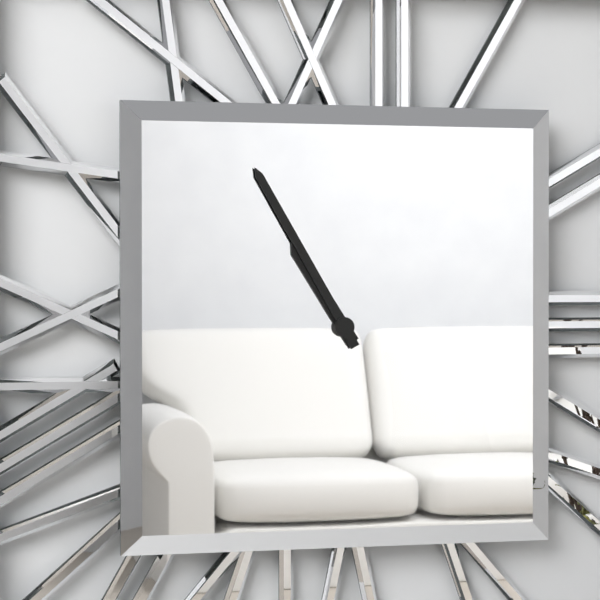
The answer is 10.55
